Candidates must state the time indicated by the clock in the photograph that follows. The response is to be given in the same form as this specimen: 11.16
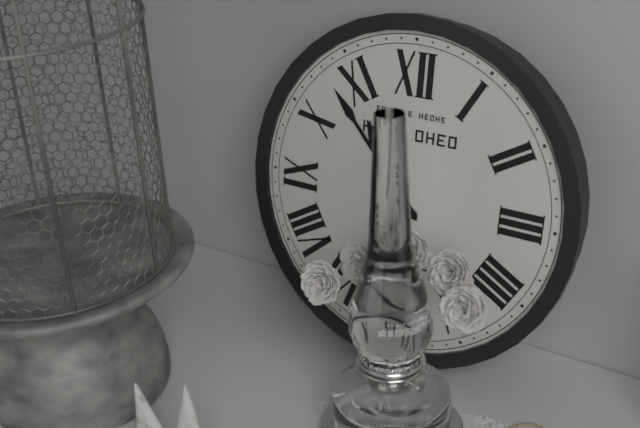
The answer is 10.53
